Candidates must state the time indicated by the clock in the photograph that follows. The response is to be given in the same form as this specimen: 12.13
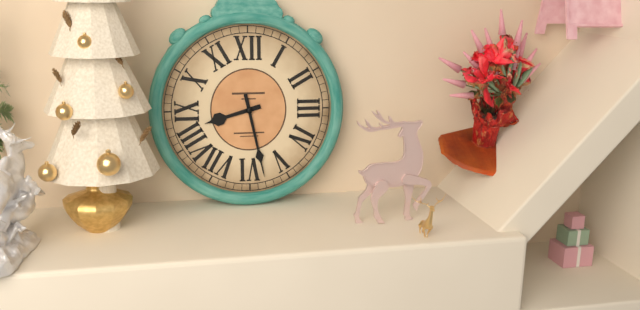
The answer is 8.28
